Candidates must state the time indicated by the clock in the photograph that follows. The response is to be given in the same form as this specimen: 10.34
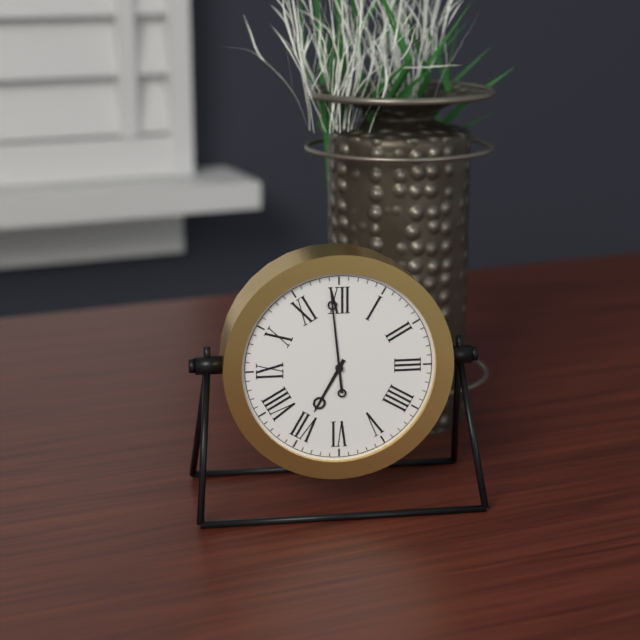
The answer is 6.59
